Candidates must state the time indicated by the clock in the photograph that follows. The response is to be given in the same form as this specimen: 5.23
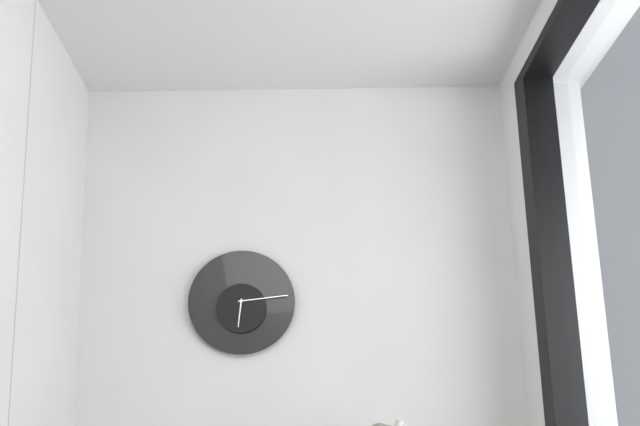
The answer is 6.14
